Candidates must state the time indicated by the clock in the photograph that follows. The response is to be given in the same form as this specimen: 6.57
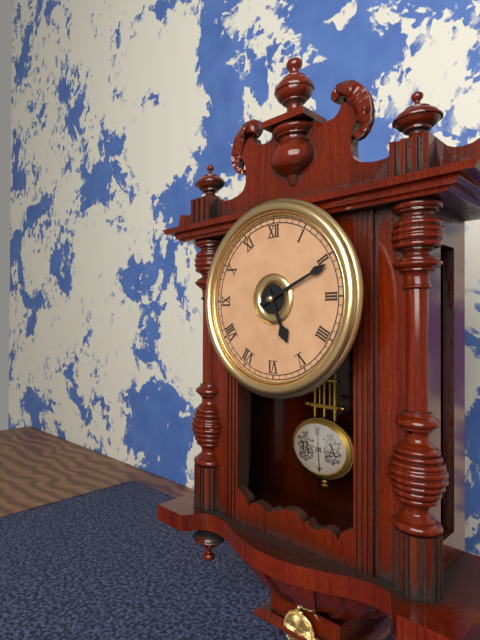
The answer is 5.11
